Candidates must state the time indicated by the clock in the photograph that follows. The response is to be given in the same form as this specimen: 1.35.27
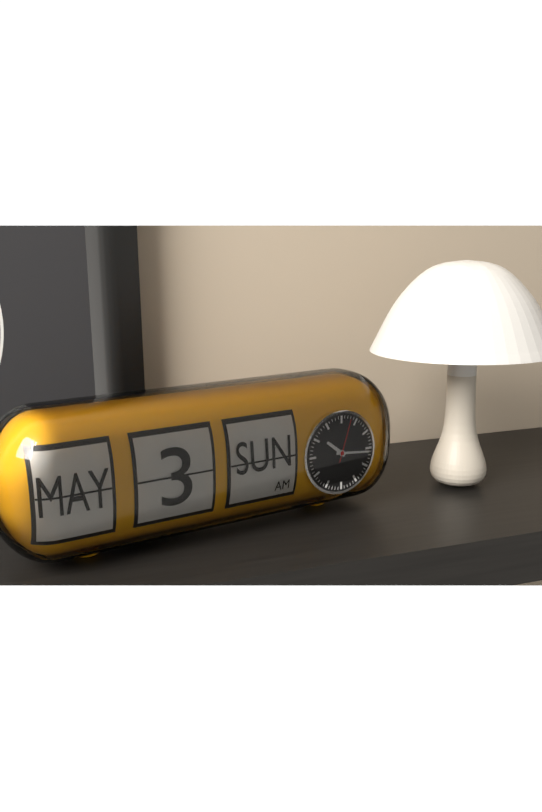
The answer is 10.16.03
